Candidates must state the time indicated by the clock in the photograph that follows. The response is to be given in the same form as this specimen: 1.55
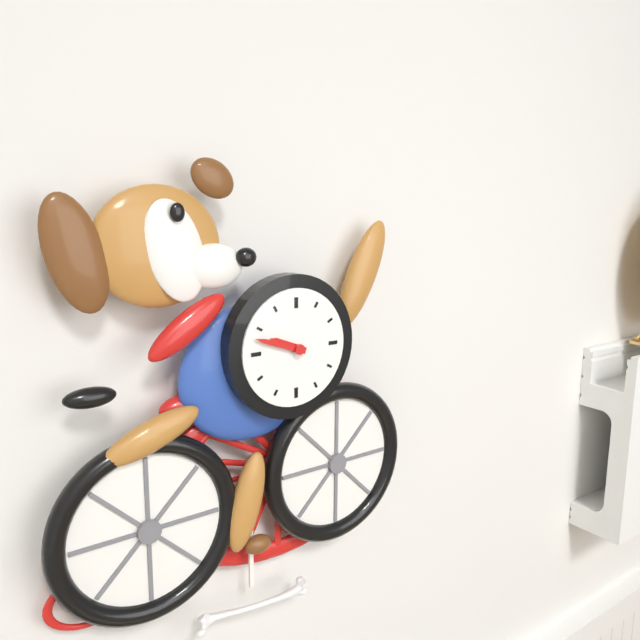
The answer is 9.48
